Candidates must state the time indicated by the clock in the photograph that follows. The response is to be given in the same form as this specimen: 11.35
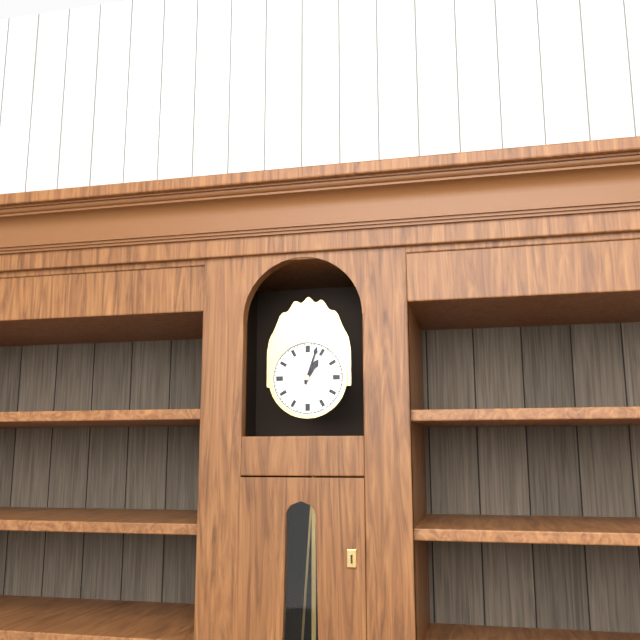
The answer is 1.03
